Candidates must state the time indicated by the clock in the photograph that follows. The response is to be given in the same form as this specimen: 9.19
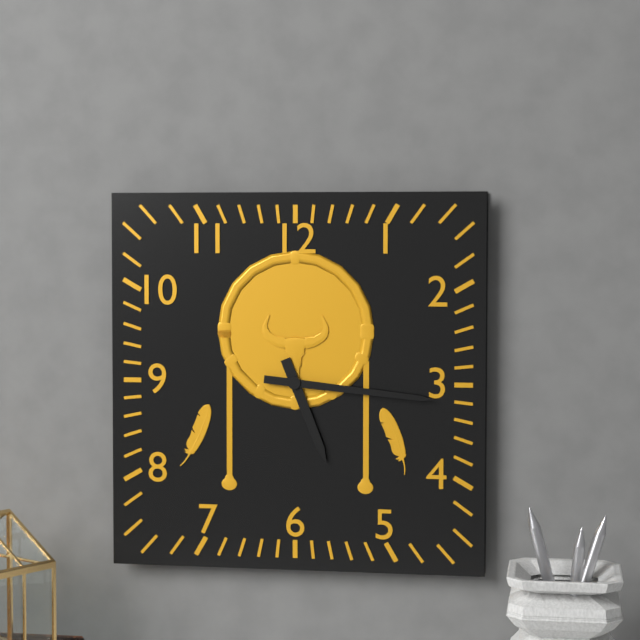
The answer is 5.16
